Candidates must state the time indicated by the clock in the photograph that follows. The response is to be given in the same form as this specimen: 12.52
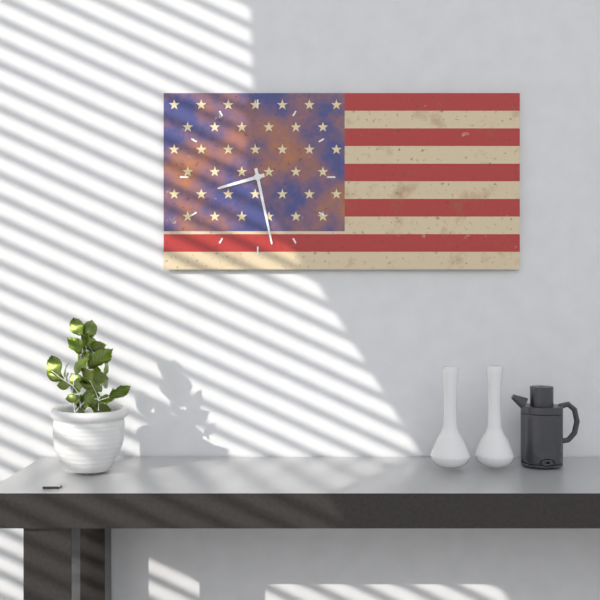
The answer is 8.28
